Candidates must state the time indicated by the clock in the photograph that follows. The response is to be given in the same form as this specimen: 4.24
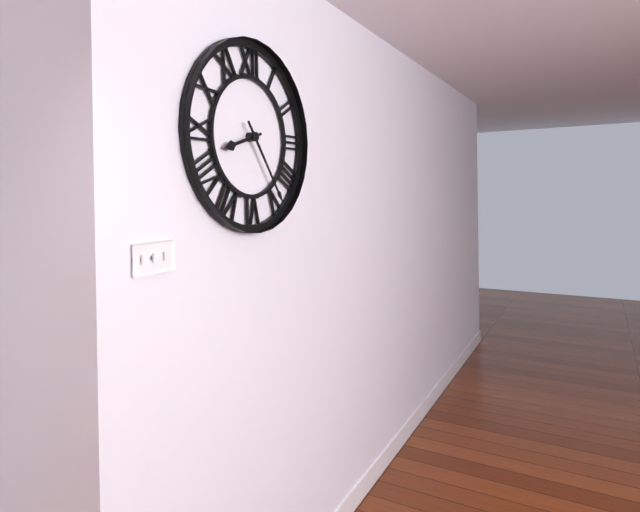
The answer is 8.24
